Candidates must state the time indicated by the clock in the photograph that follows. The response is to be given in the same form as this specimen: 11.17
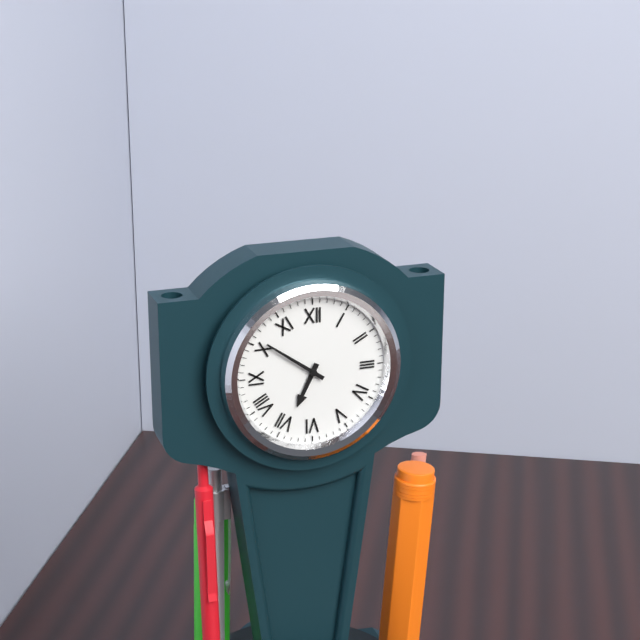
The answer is 6.51
